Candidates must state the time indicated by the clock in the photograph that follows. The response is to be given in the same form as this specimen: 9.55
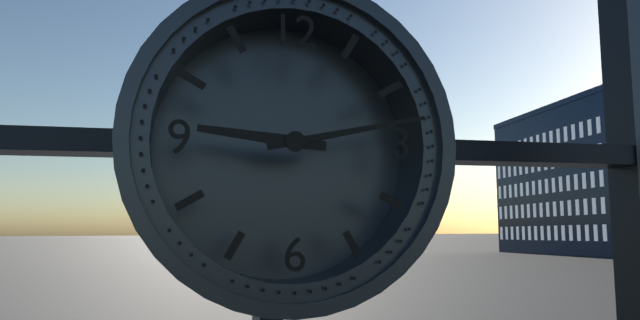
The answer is 9.13
